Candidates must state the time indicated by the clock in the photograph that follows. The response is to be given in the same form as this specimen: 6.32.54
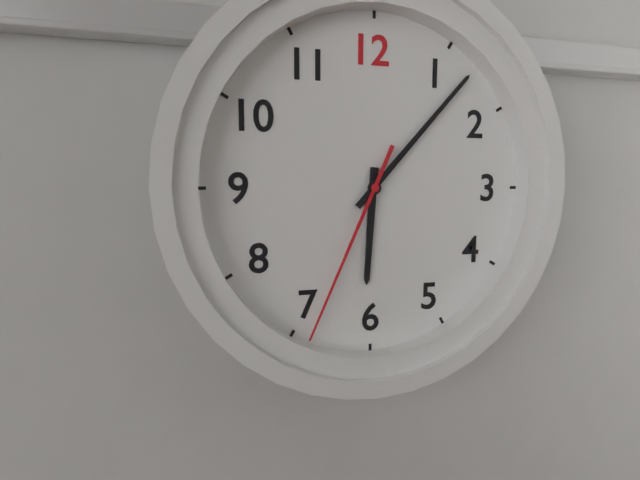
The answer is 6.07.34
